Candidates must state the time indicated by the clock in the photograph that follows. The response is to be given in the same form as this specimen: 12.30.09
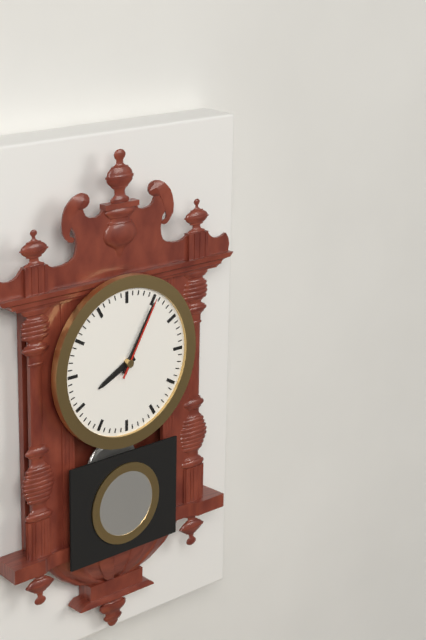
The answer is 8.05.05
